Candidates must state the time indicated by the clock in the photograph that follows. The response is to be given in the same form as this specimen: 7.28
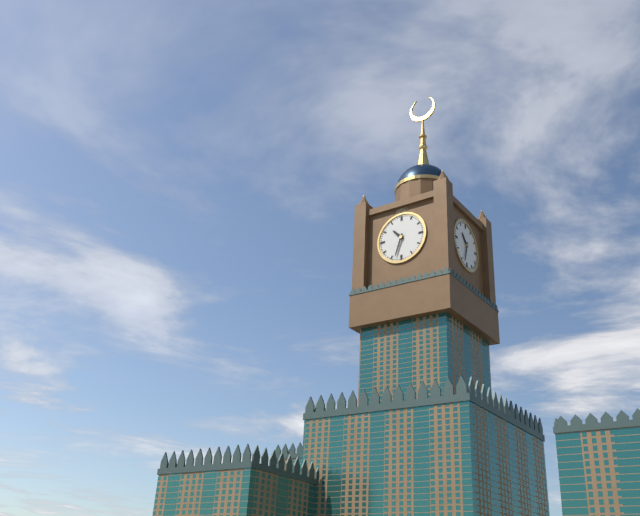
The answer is 10.33
